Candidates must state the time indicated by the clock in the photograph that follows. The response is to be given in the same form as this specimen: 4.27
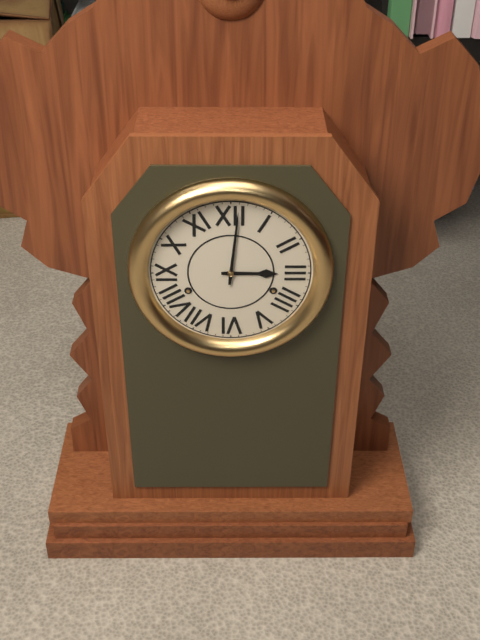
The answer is 3.01
